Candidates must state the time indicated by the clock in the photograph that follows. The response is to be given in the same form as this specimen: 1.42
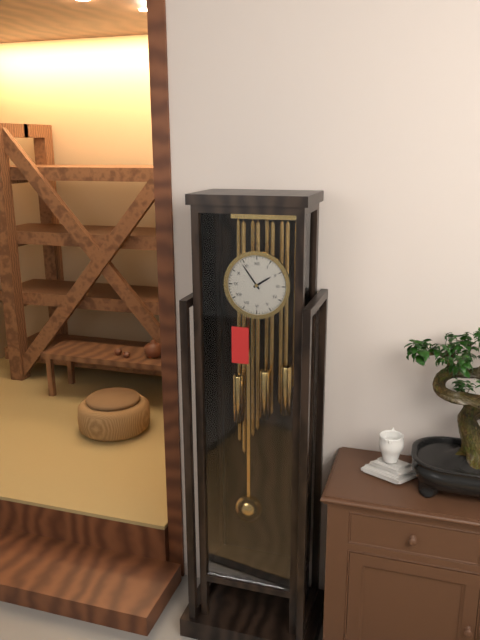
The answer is 1.54
